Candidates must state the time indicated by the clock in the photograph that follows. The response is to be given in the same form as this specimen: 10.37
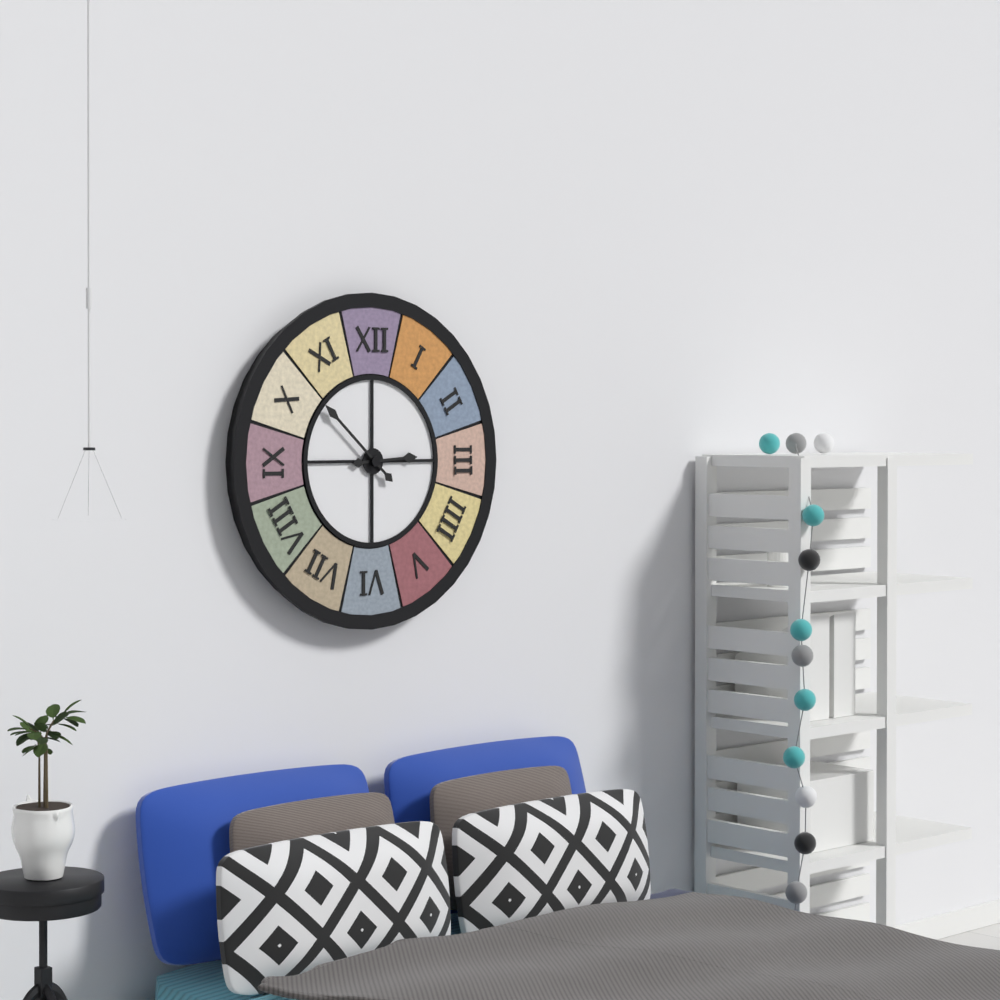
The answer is 2.52
